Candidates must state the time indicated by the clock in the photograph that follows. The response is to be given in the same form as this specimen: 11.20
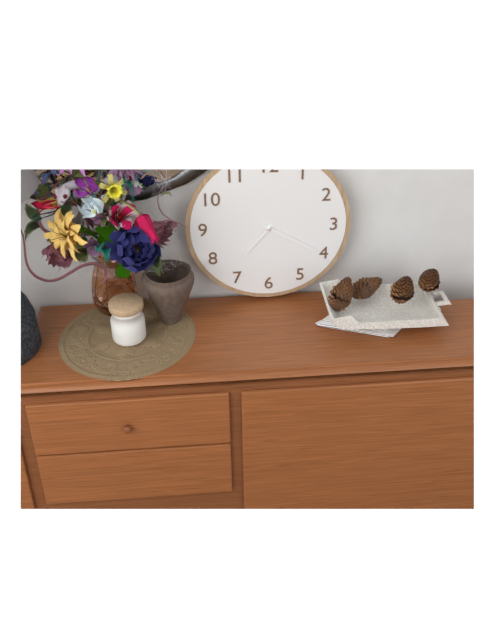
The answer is 7.20
